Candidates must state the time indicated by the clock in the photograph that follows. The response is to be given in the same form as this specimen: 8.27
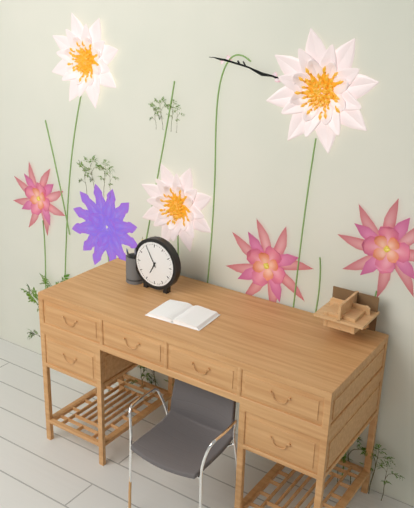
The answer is 6.55
